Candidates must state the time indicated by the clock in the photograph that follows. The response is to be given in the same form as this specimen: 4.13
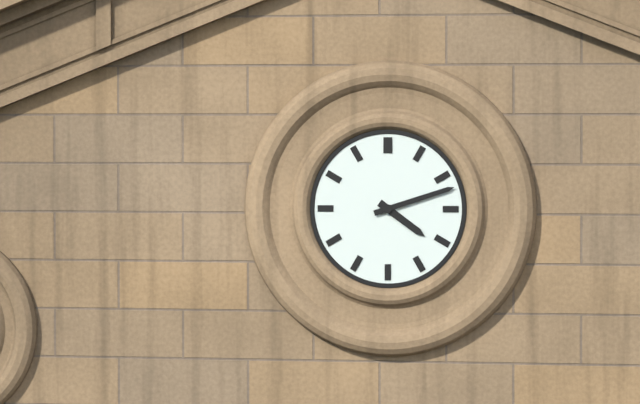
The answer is 4.12
